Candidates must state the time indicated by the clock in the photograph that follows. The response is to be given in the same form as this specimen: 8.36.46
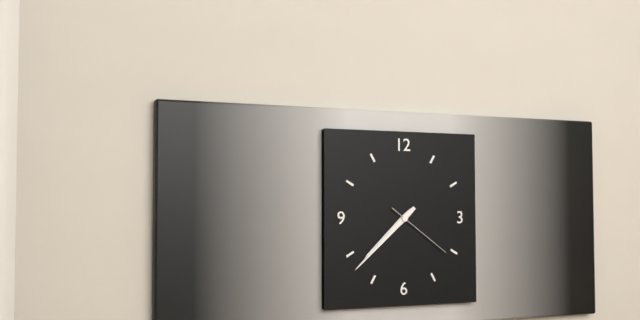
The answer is 7.38.21
